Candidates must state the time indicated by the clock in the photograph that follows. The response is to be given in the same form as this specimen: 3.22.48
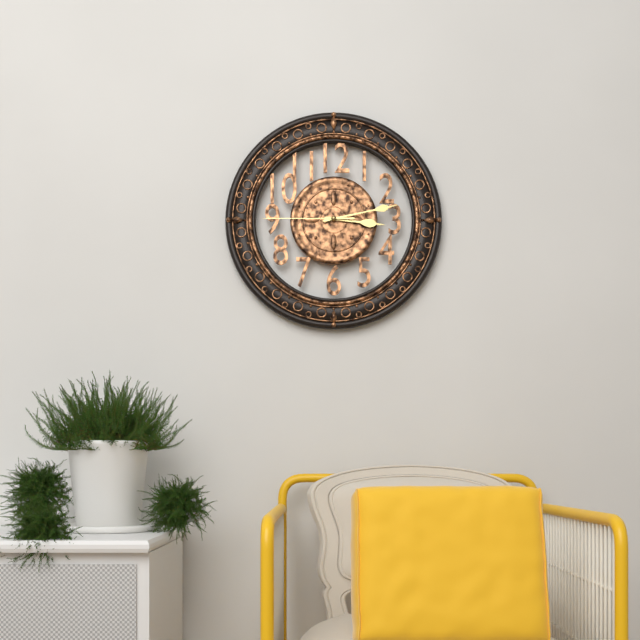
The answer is 3.13.45
